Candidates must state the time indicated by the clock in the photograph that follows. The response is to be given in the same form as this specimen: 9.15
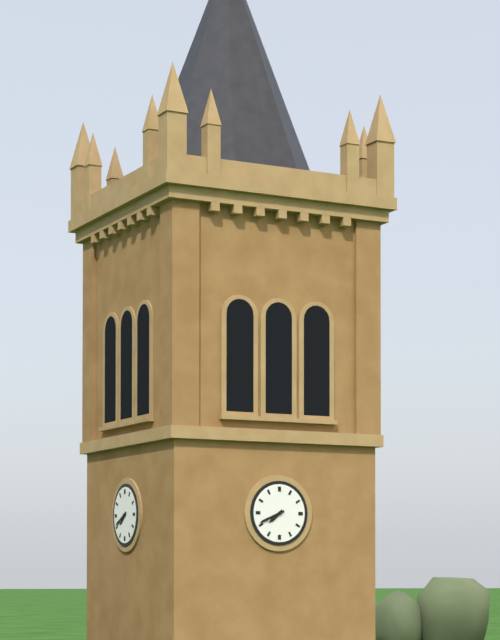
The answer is 7.41
